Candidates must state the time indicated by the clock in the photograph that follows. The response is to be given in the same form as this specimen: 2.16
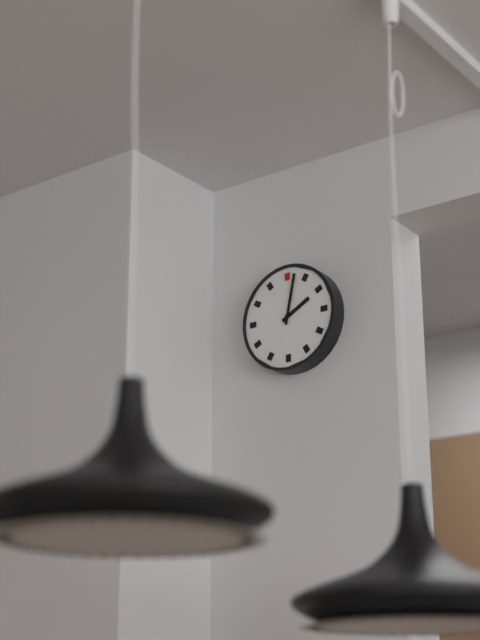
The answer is 2.02
